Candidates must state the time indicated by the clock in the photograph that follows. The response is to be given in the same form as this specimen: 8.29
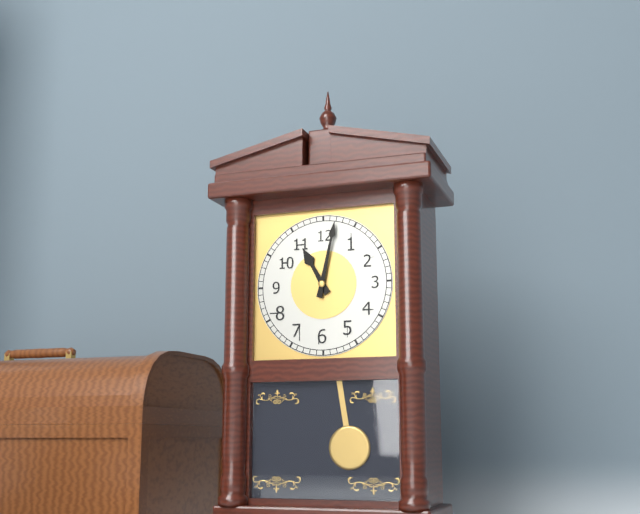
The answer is 11.02
